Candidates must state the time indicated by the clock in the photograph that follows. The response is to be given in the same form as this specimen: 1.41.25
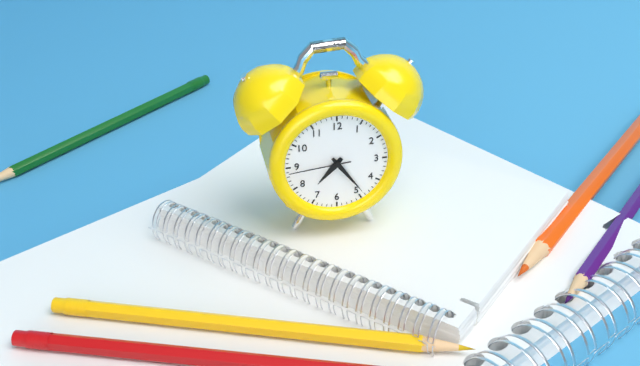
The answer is 7.24.44
